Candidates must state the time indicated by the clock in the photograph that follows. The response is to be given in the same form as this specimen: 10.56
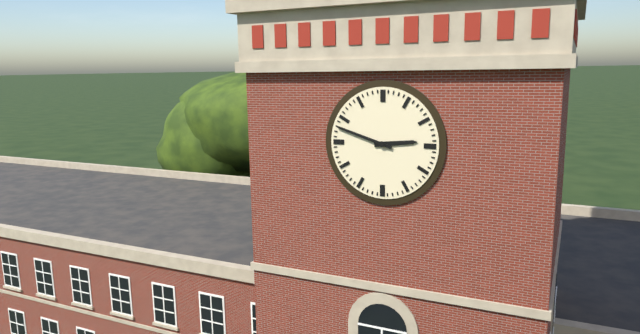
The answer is 2.48
